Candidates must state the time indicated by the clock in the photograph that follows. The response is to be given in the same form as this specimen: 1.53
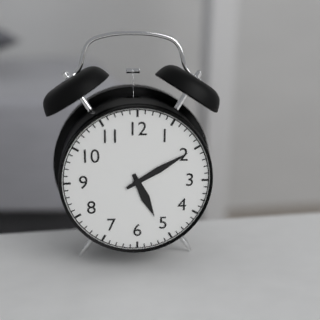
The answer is 5.10
